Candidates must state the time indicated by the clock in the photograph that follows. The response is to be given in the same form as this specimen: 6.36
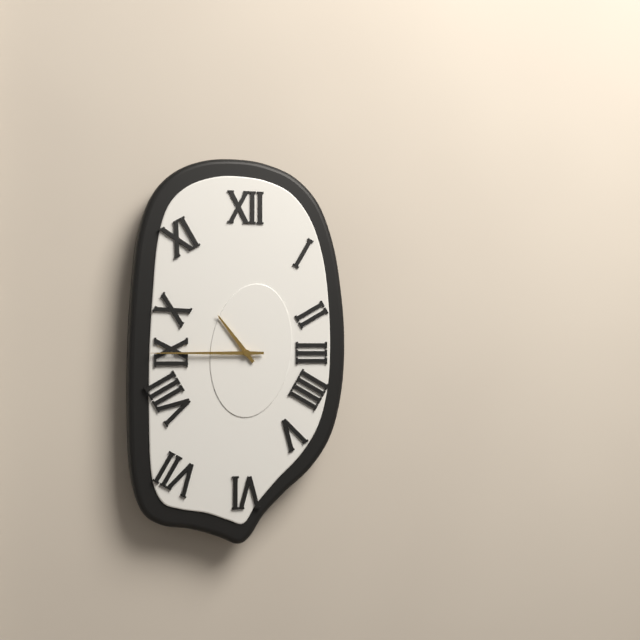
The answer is 10.45
